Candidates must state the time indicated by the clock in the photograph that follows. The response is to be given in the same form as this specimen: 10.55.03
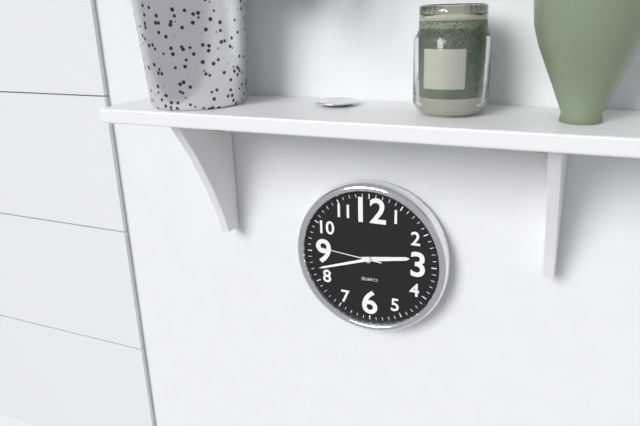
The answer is 2.42.46
